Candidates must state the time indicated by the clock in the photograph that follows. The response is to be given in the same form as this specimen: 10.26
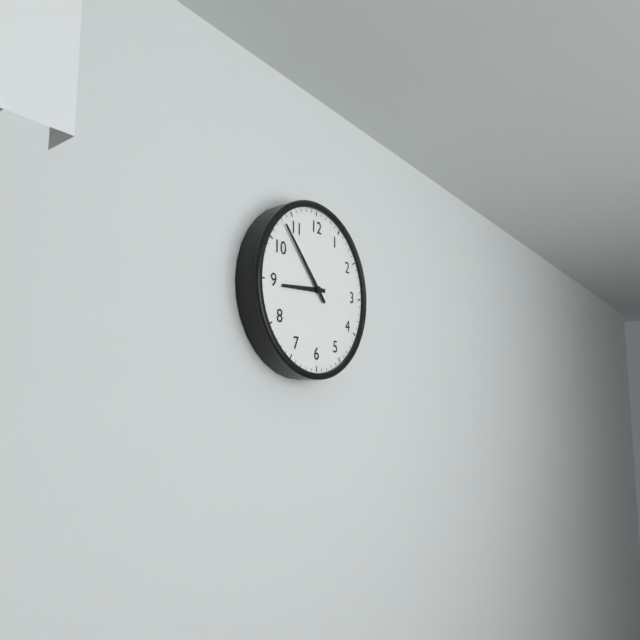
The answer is 8.53
